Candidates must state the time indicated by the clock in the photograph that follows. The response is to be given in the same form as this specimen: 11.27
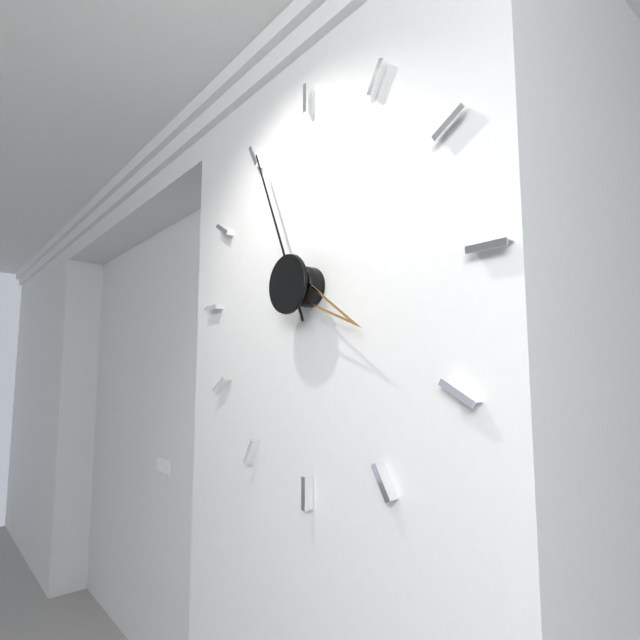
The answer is 3.56
